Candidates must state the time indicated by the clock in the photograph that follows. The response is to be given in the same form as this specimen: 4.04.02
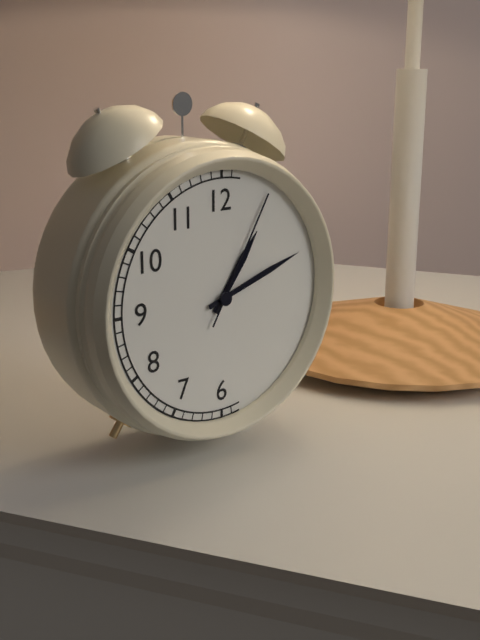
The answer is 1.12.05
